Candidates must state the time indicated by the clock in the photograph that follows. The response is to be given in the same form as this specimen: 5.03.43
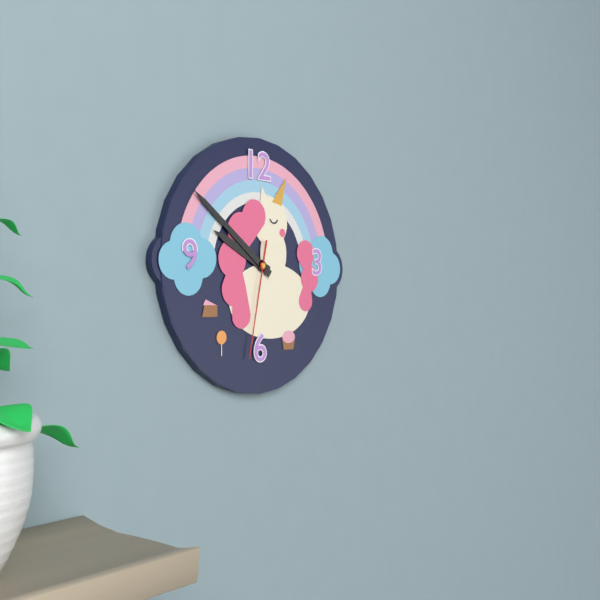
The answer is 9.51.32
